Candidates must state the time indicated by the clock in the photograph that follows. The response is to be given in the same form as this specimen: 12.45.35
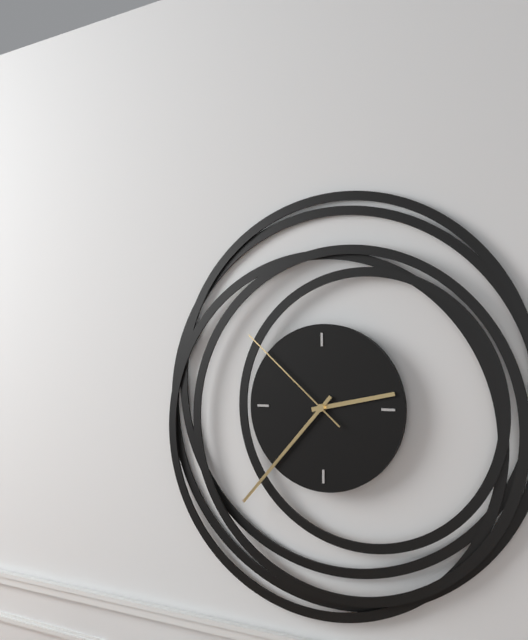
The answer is 2.37.52
